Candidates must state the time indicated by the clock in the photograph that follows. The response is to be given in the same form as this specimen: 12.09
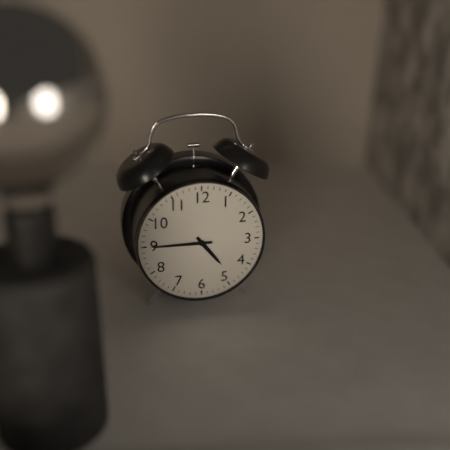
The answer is 4.45
